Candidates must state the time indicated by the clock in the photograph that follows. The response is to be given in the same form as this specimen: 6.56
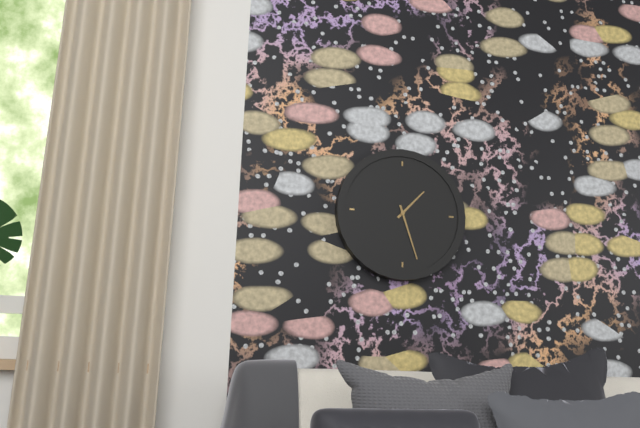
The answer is 1.27
